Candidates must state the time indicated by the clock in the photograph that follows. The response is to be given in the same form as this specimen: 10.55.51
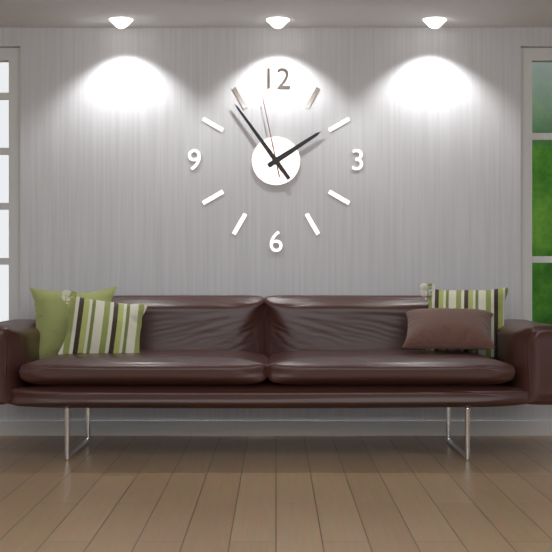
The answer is 1.54.58
